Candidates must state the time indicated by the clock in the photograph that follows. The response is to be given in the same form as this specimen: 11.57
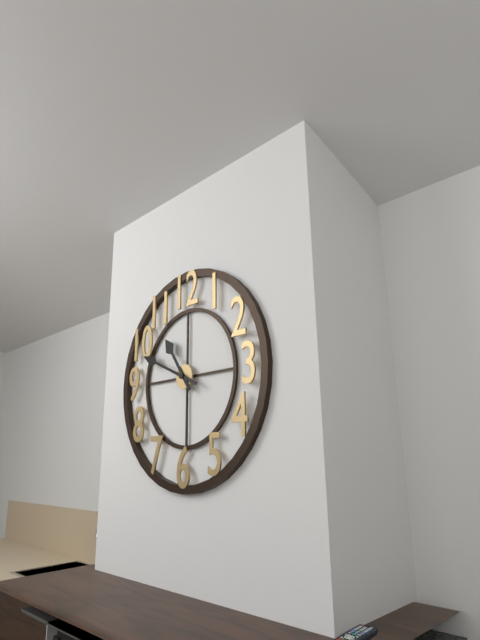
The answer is 10.49
